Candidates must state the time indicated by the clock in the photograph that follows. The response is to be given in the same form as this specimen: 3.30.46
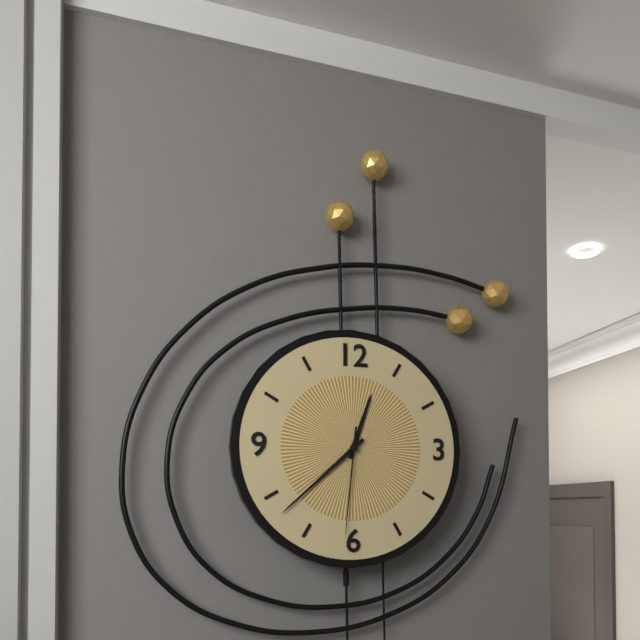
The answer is 12.38.31
